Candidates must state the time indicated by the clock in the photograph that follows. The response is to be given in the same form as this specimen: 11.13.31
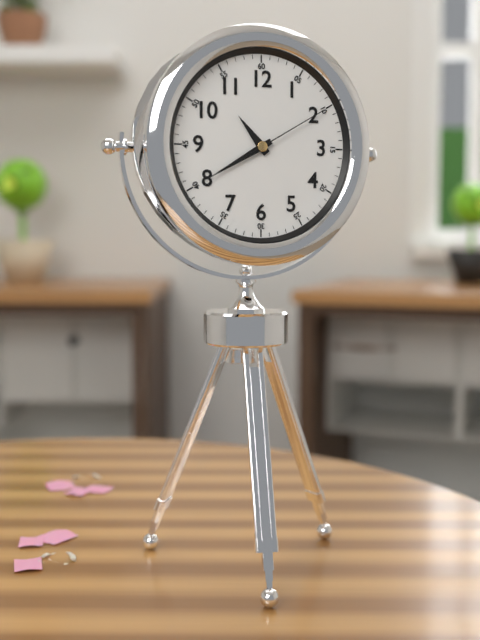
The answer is 10.40.10
